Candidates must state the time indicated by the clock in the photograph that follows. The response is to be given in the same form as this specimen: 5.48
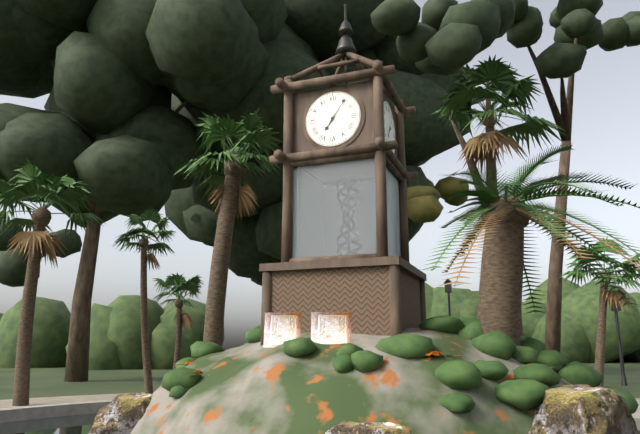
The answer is 7.06
